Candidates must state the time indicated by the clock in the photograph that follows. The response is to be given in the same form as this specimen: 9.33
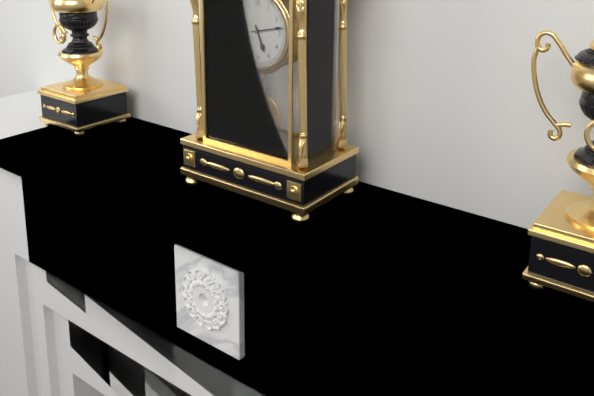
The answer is 5.13
